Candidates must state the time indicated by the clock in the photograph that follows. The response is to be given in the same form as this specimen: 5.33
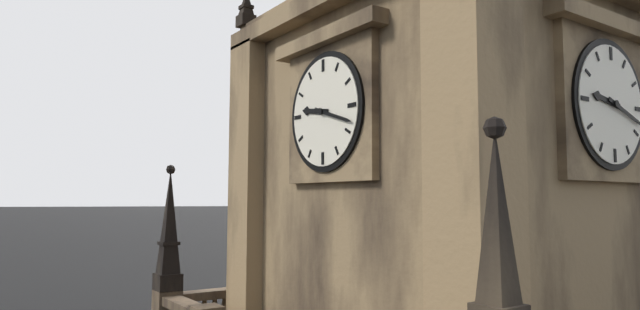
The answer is 9.18
